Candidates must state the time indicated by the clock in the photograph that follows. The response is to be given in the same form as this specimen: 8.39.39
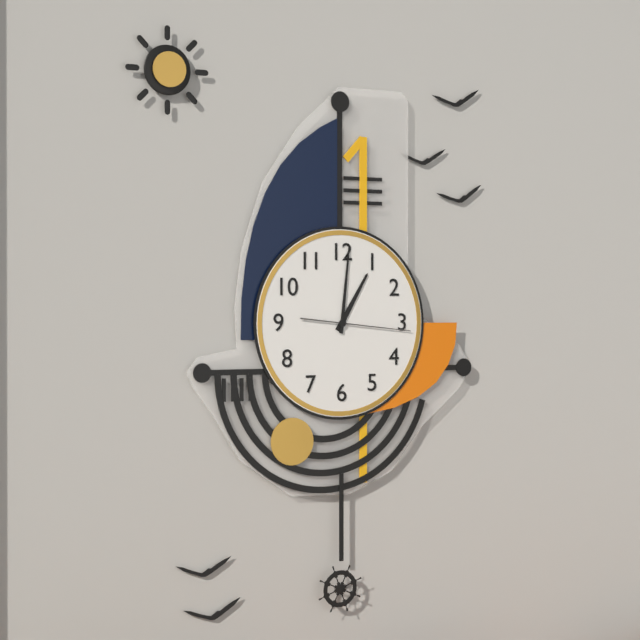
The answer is 1.01.16
